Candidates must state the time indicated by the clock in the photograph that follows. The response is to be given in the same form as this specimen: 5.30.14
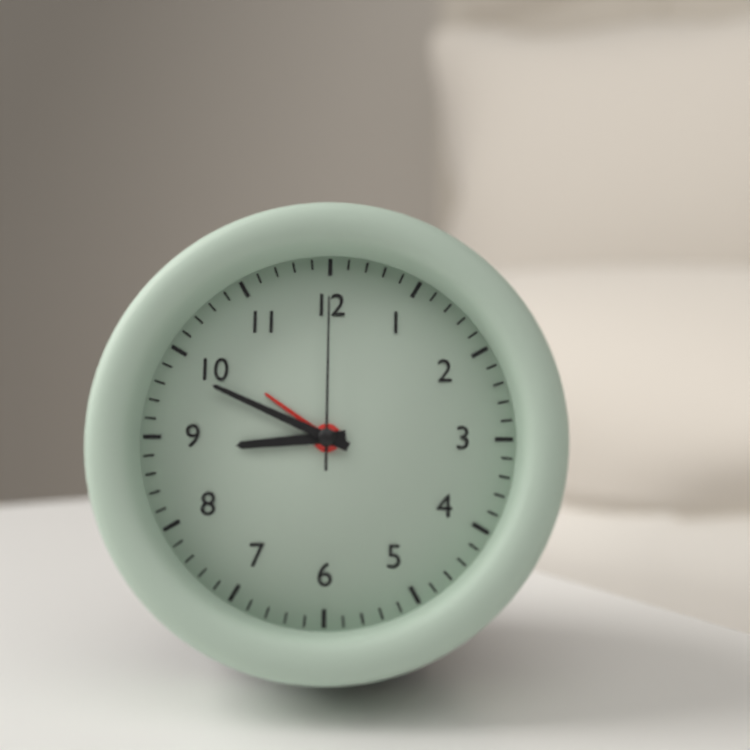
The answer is 8.49.00
